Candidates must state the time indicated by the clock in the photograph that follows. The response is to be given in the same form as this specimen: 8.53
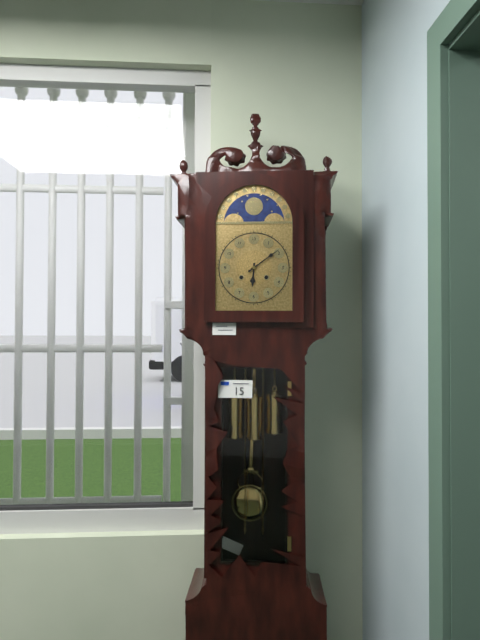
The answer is 6.09
